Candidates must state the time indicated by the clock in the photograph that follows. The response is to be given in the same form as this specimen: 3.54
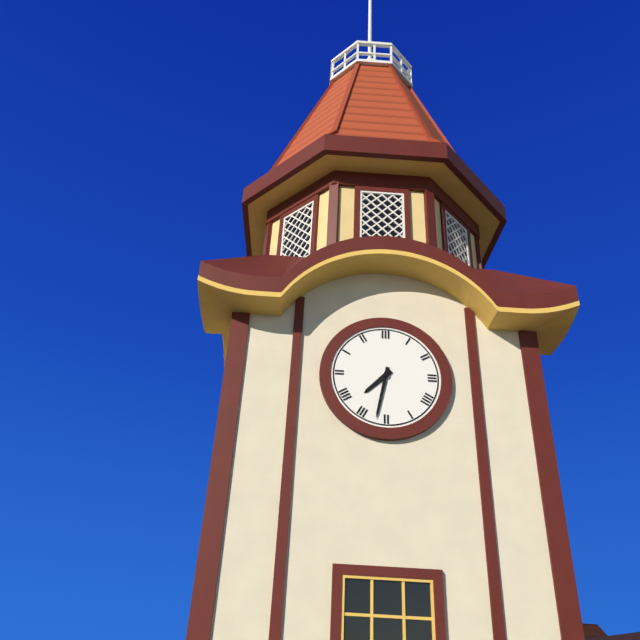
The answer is 7.32
